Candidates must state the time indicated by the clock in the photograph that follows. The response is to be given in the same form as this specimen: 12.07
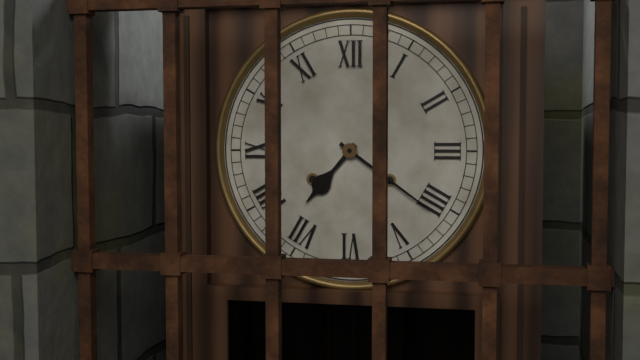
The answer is 7.21
